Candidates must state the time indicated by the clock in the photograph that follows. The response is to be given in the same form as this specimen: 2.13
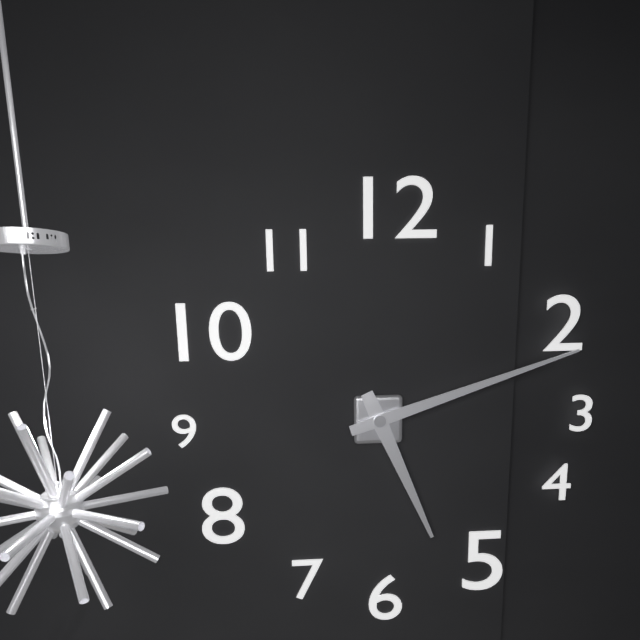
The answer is 5.12
